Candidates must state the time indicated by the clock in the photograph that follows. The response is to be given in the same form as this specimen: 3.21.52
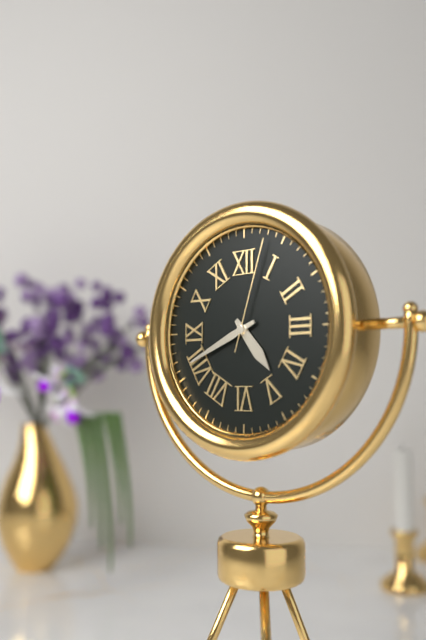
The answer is 4.41.03
